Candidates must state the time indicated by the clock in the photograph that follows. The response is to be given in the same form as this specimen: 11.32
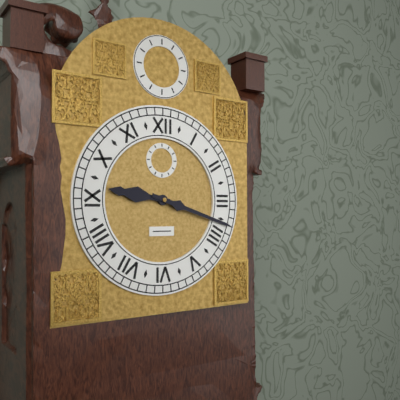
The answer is 9.18
